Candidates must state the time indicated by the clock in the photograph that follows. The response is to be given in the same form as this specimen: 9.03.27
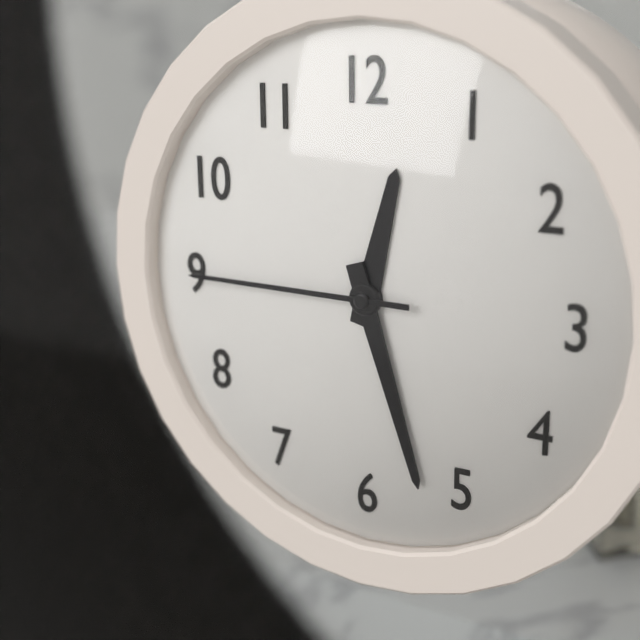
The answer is 12.27.45
